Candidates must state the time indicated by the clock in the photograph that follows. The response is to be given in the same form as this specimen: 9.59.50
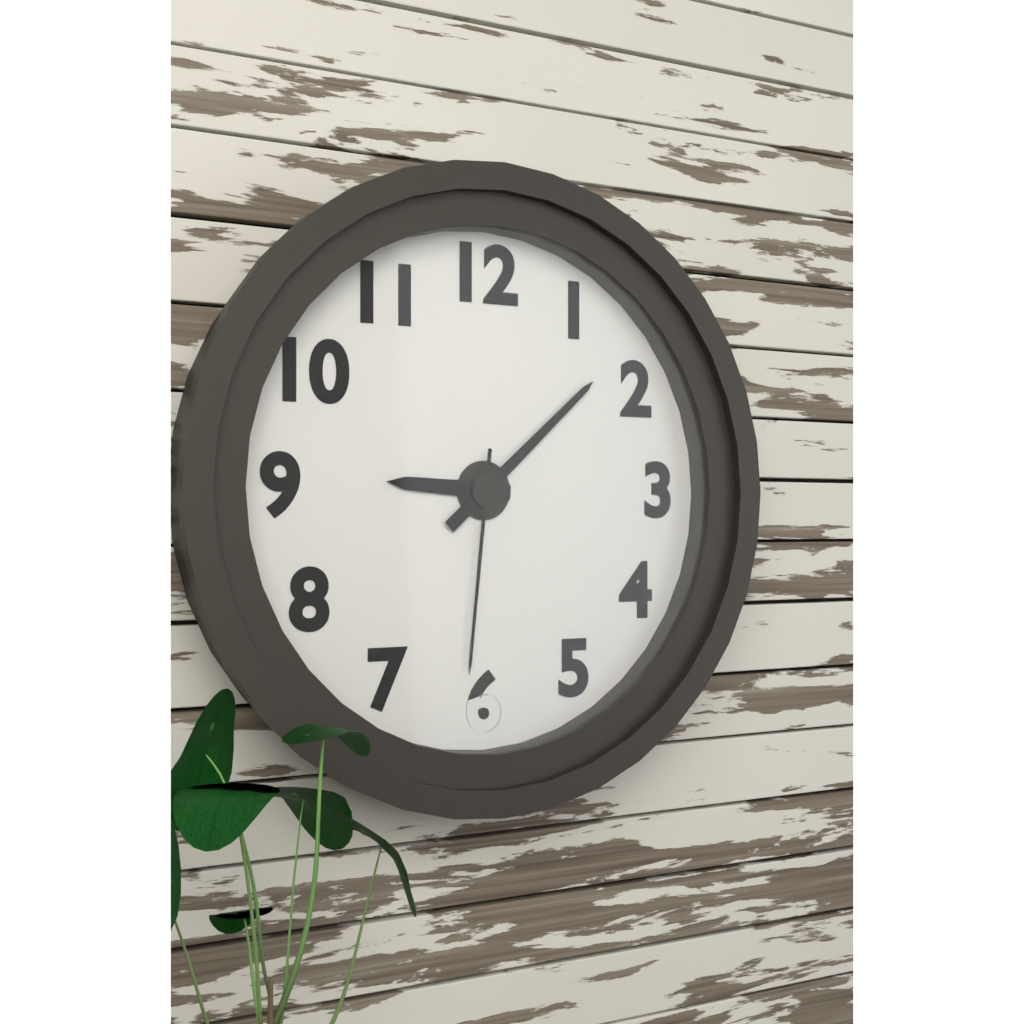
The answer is 9.08.31
